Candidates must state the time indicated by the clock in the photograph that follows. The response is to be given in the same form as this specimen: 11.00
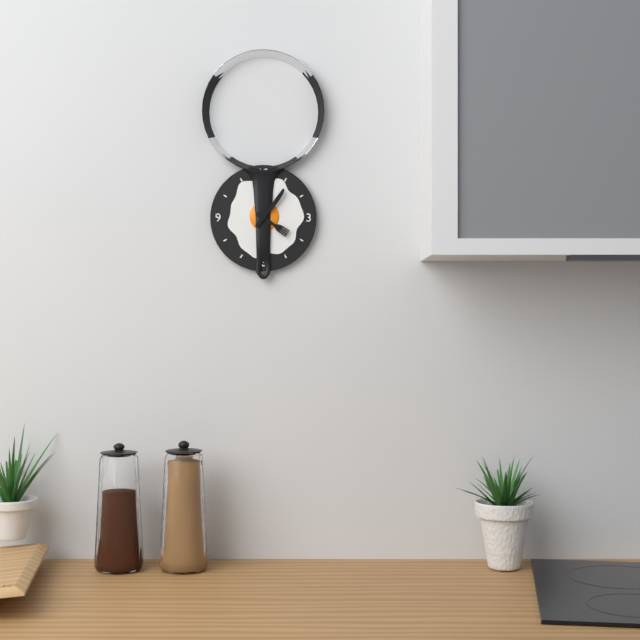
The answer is 4.06
